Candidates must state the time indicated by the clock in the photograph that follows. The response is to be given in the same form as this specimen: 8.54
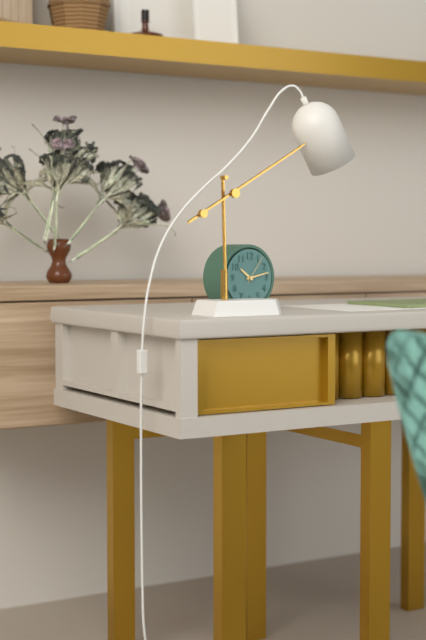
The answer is 10.13
